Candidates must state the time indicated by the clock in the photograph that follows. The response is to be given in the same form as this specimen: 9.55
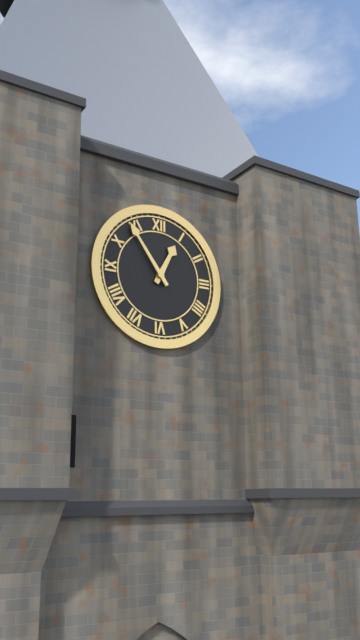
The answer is 12.54
